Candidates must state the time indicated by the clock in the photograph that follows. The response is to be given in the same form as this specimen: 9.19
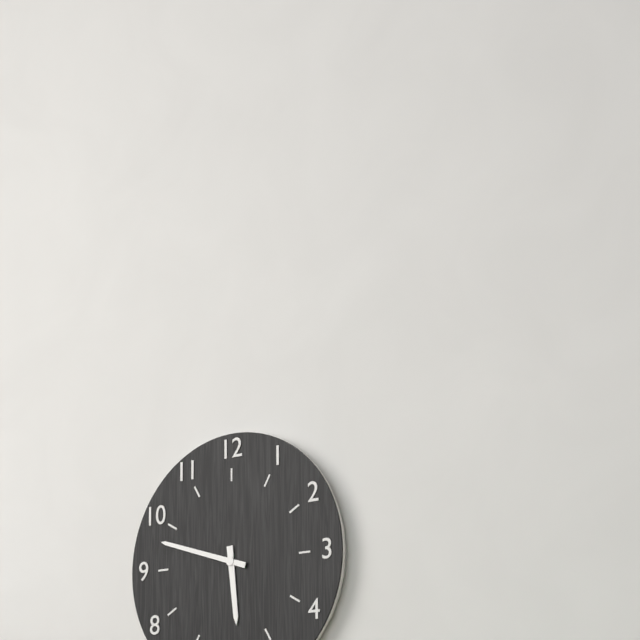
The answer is 5.48
